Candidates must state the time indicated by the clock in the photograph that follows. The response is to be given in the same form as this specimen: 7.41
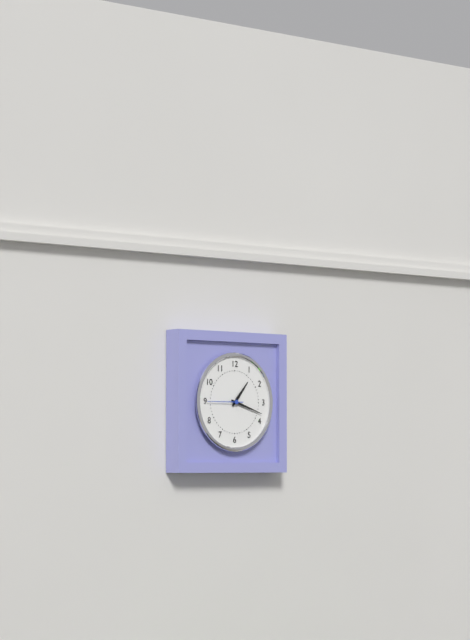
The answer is 1.18
